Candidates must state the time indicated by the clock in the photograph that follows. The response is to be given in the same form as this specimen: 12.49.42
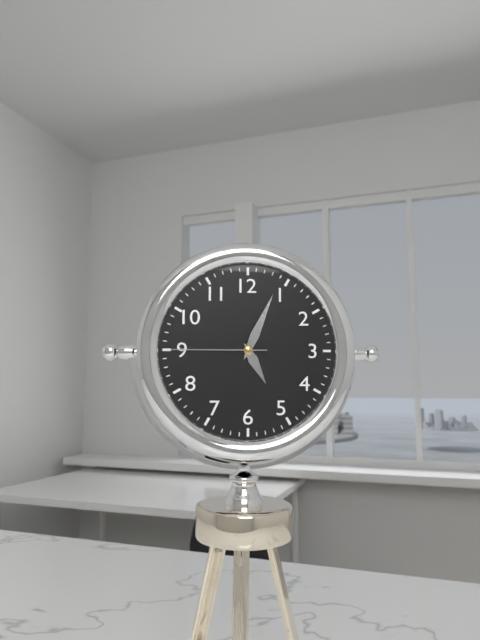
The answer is 5.04.45
